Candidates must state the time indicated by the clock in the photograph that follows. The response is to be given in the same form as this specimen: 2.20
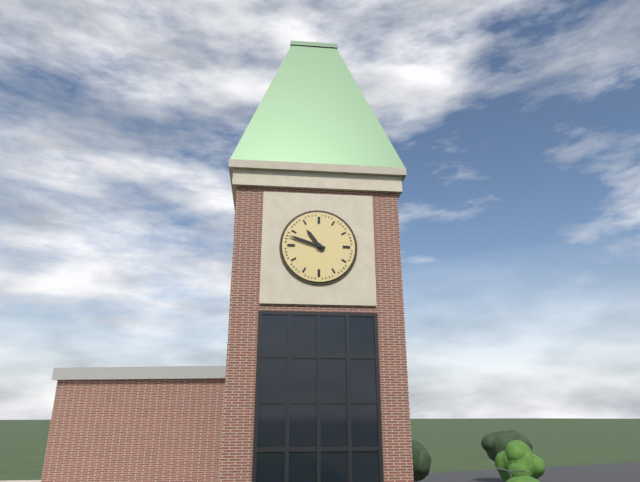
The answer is 10.48
